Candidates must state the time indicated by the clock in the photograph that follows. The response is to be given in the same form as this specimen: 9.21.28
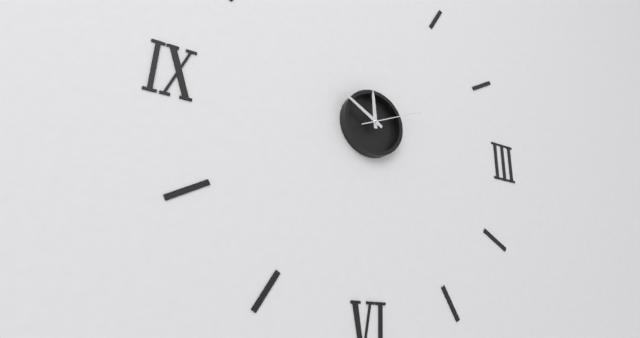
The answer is 11.50.11
